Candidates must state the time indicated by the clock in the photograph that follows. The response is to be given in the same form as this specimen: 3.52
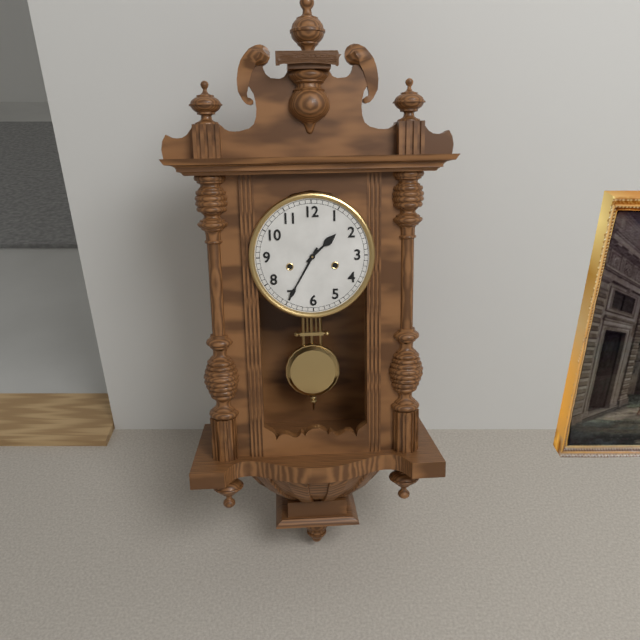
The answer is 1.35
